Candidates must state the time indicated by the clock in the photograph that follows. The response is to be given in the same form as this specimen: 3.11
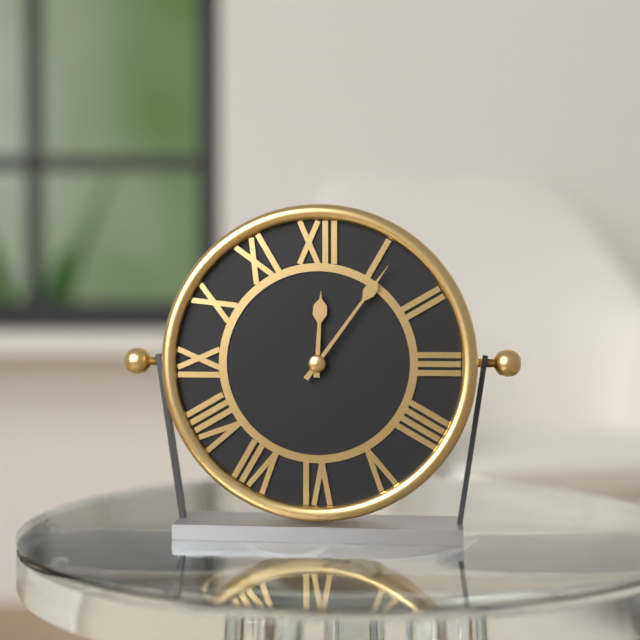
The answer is 12.06
